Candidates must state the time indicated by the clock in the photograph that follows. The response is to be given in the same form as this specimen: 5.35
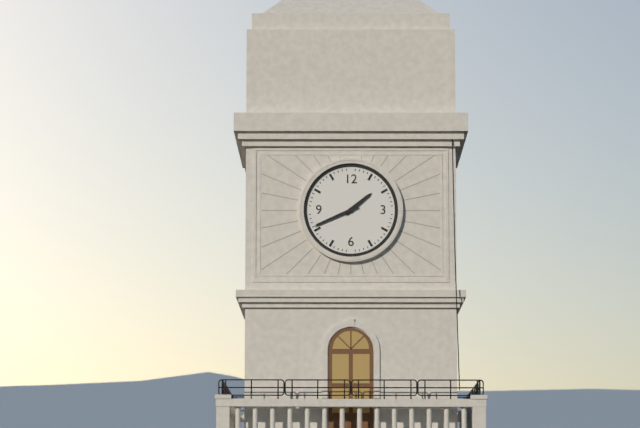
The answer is 1.41
